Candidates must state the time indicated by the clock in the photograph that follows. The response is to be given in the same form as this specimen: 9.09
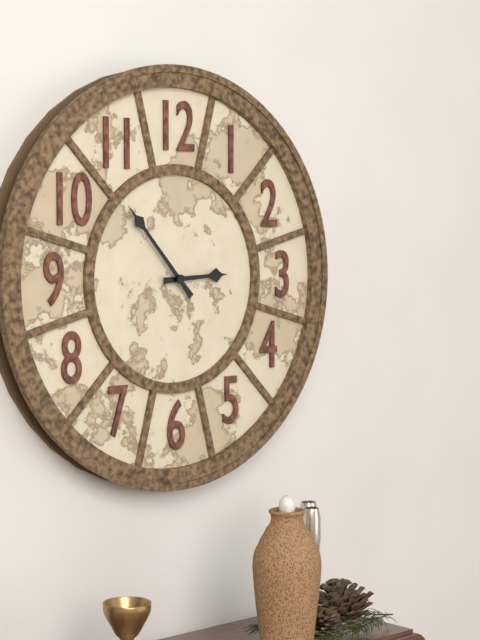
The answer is 2.53
